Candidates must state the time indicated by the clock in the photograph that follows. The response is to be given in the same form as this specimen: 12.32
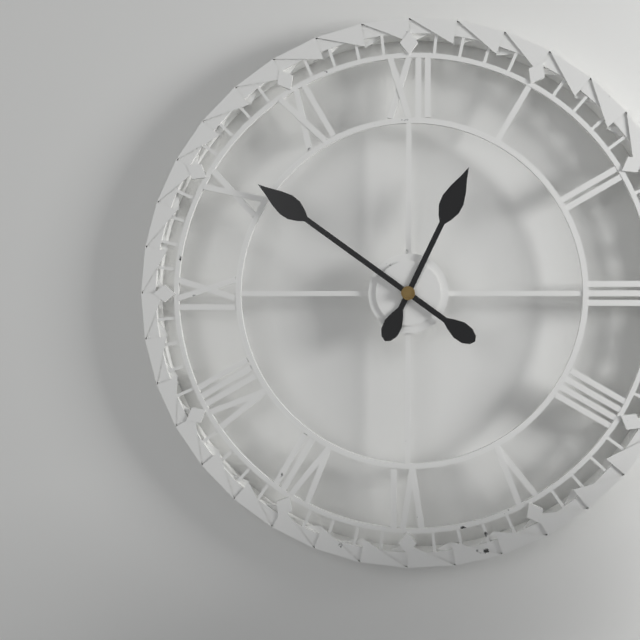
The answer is 12.51
